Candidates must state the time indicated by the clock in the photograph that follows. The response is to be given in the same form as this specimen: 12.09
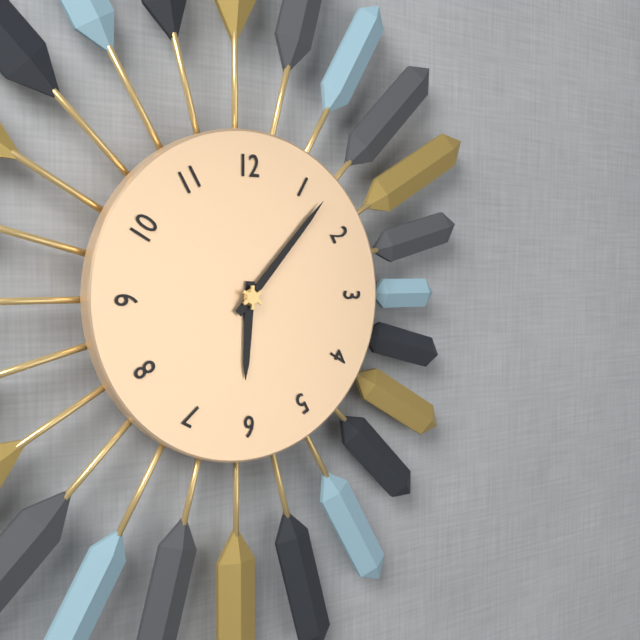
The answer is 6.07
